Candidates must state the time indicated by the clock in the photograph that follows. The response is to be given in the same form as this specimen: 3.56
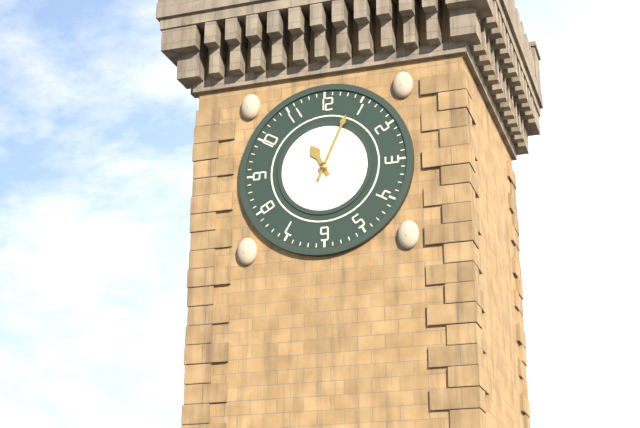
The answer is 11.04
